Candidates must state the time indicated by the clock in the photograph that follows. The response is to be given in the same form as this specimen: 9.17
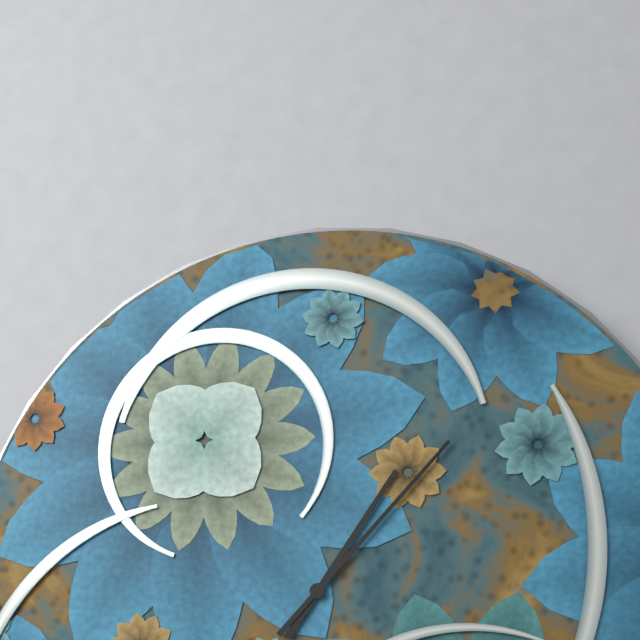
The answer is 1.07
